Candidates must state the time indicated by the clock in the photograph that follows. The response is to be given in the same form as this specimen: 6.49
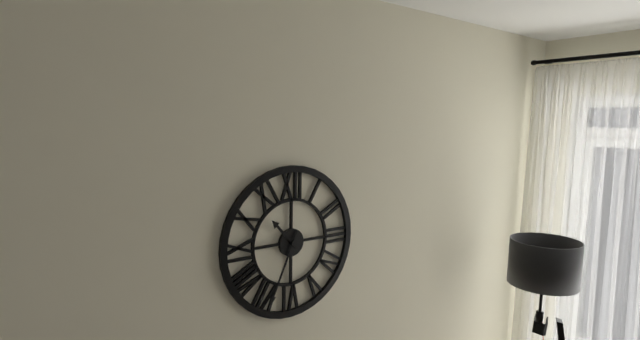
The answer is 10.34
